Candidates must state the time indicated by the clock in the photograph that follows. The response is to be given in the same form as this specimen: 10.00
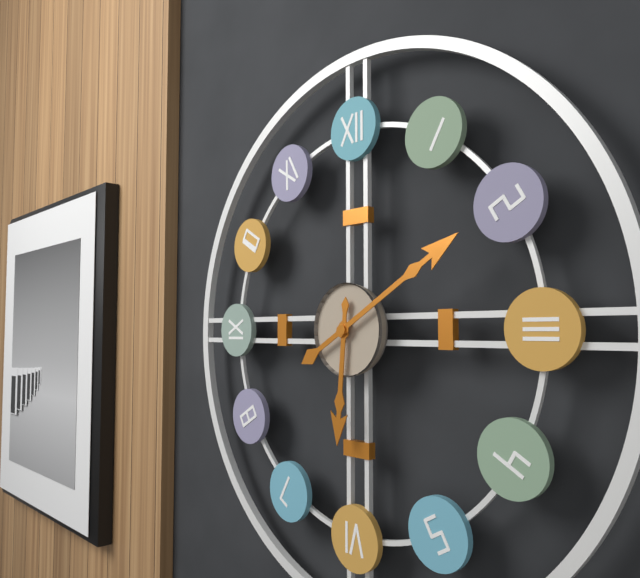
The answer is 6.10
